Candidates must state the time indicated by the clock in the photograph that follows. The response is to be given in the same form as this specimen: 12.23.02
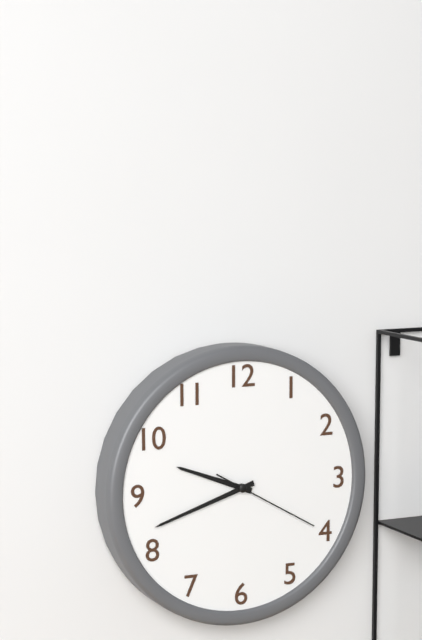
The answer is 9.42.20
